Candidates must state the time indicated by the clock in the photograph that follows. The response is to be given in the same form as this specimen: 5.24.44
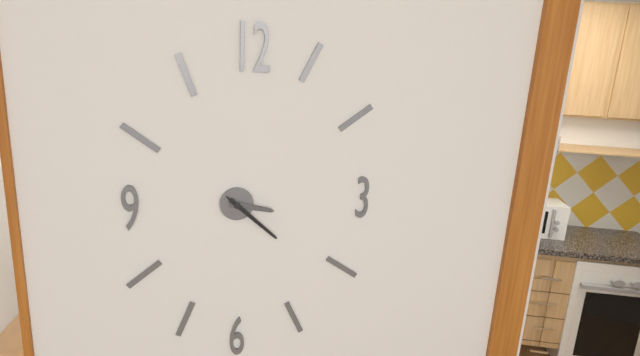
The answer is 3.22.22
